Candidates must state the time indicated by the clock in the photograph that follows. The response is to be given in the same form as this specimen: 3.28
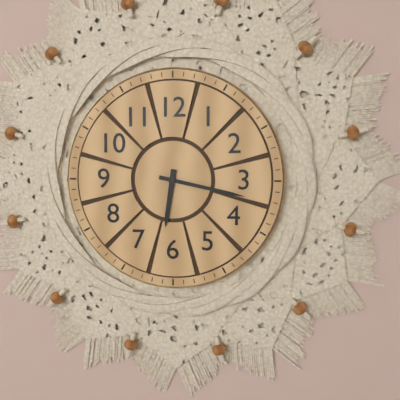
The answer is 6.17
